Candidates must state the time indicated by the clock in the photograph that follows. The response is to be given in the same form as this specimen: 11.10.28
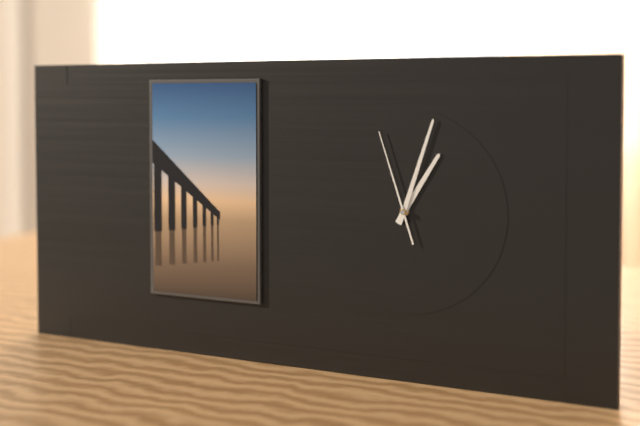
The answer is 1.03.57
